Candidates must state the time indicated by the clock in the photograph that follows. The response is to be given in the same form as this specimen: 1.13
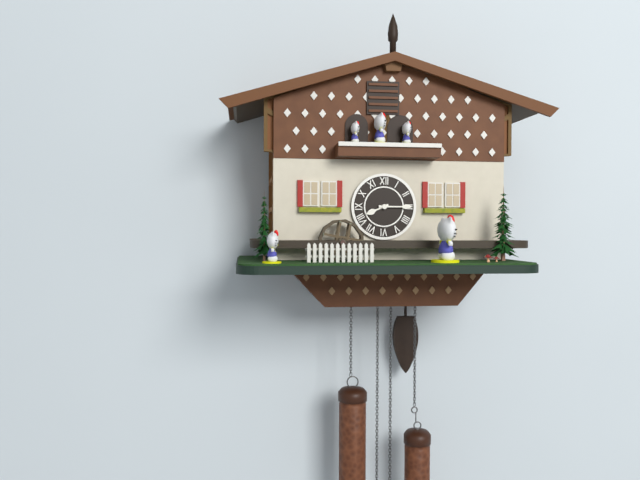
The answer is 8.15
